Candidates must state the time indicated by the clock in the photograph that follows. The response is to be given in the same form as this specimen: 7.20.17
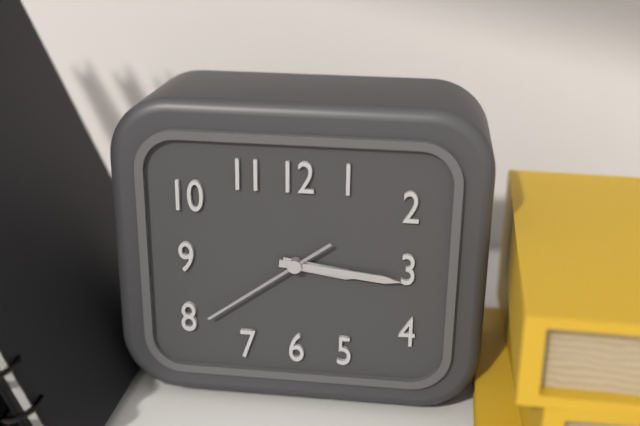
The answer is 3.16.39
